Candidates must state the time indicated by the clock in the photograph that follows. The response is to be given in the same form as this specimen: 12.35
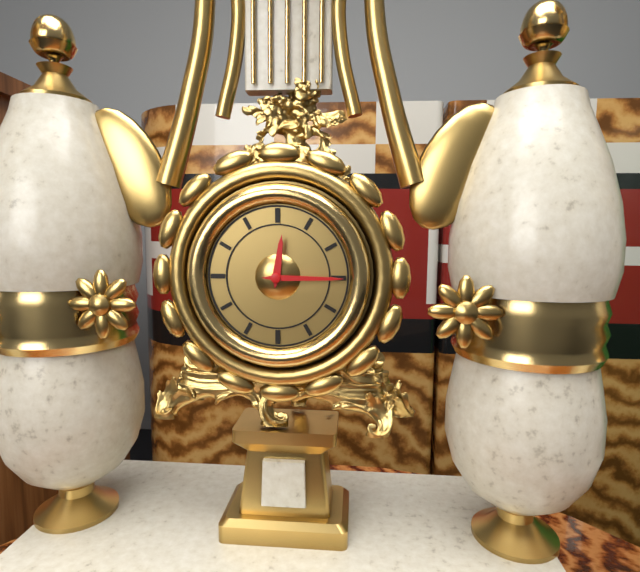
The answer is 12.15
